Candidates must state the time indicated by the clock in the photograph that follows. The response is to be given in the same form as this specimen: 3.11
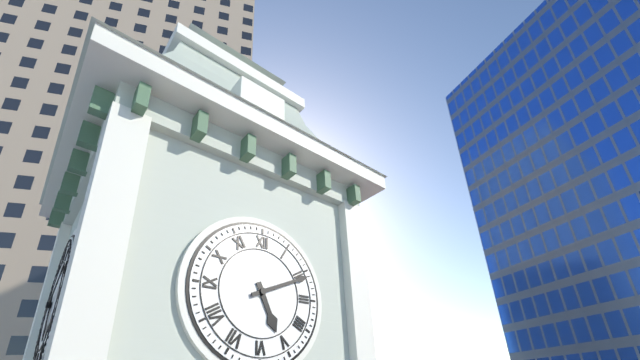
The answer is 5.11
